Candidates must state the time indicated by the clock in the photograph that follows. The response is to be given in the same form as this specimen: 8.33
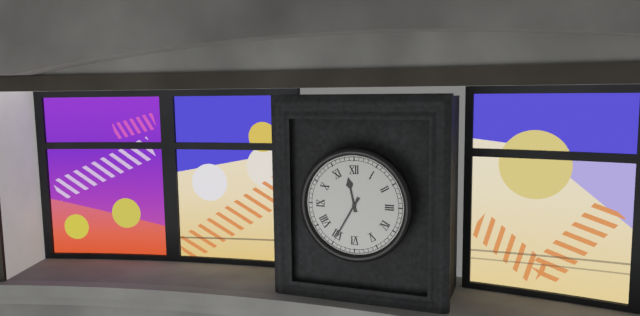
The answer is 11.35
